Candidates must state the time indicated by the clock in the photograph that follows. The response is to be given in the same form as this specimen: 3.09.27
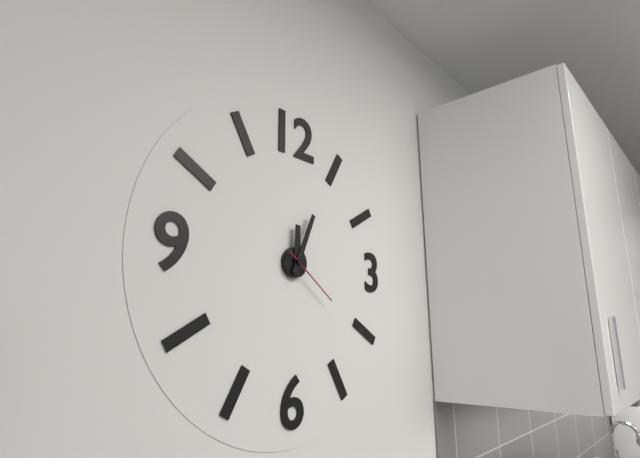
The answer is 12.04.21
